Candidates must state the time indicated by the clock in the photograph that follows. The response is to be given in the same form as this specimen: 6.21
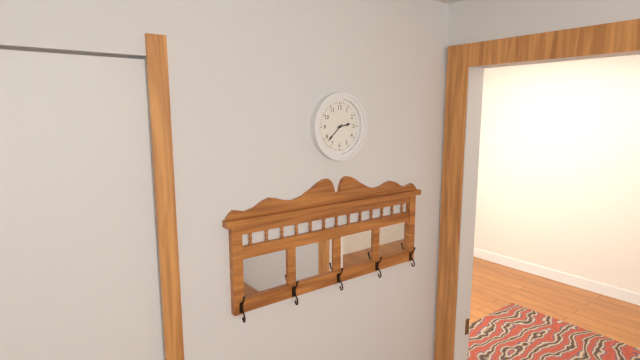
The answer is 2.38
